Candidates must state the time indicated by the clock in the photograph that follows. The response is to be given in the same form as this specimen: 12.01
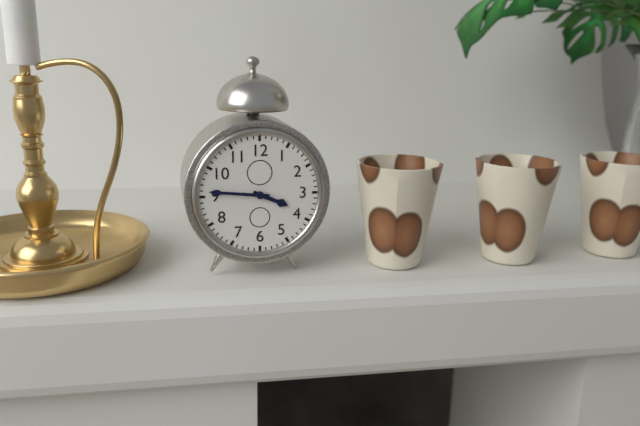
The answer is 3.46
